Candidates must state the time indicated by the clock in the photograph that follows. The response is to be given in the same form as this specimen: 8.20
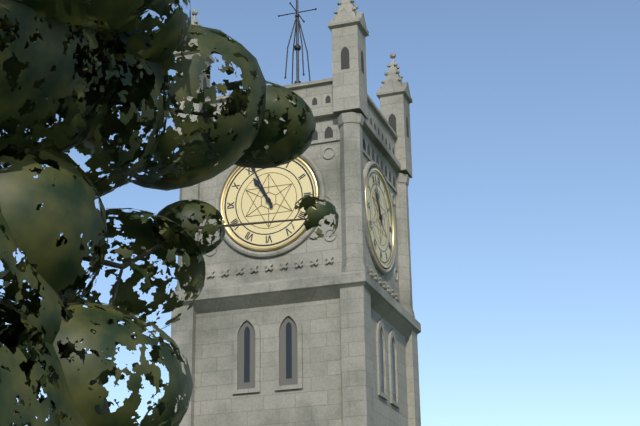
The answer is 10.56
